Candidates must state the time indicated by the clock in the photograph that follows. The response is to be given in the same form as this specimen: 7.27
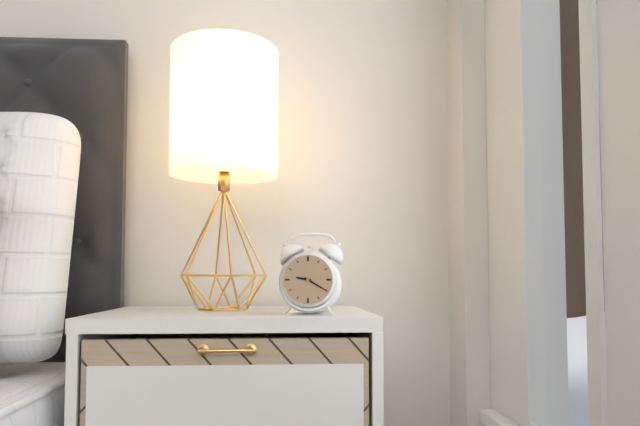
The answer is 9.20
